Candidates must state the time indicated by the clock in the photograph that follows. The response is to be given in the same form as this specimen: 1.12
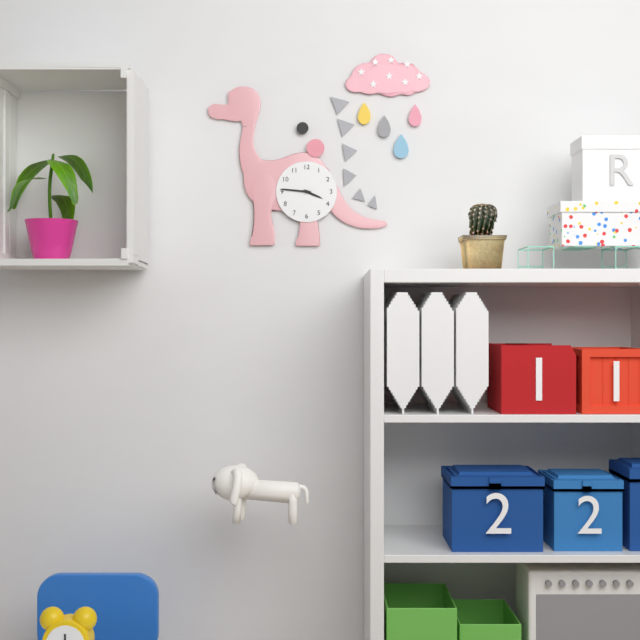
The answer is 3.46
